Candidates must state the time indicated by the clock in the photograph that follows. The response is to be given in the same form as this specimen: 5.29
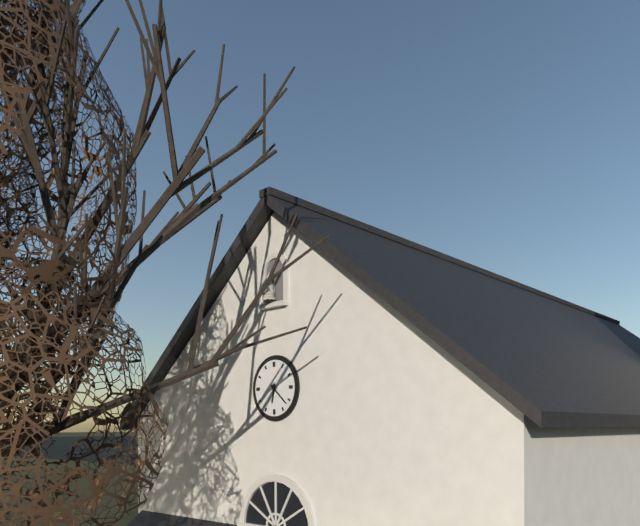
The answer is 6.22
